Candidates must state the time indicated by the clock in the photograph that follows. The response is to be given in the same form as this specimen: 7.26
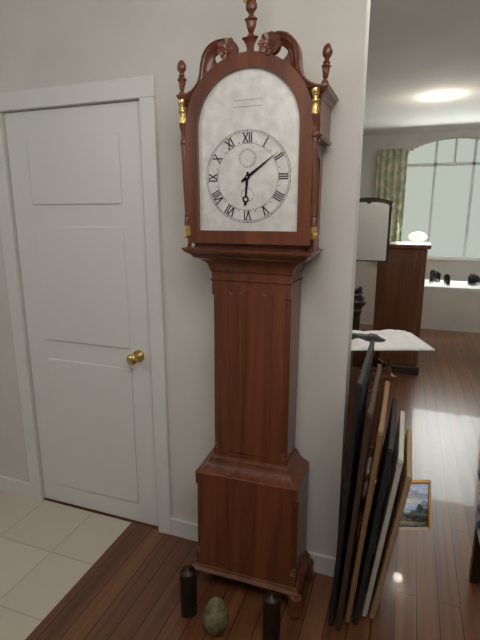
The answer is 6.09
